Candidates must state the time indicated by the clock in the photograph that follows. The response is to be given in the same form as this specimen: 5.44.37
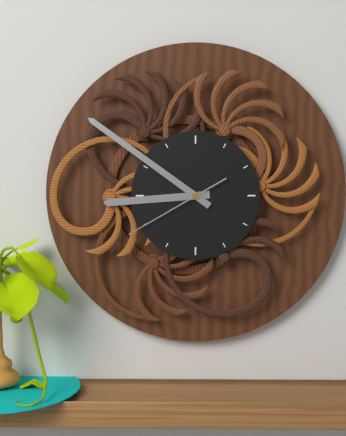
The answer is 8.51.40
